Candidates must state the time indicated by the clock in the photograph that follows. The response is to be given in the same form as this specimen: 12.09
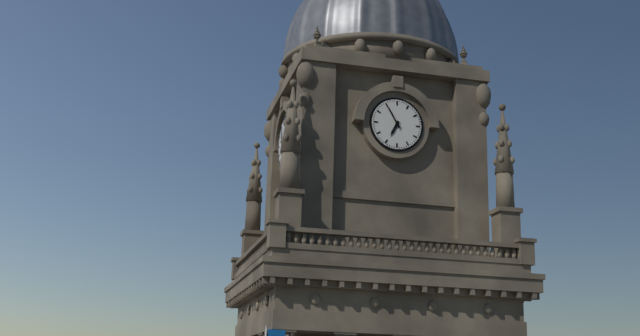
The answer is 6.55
